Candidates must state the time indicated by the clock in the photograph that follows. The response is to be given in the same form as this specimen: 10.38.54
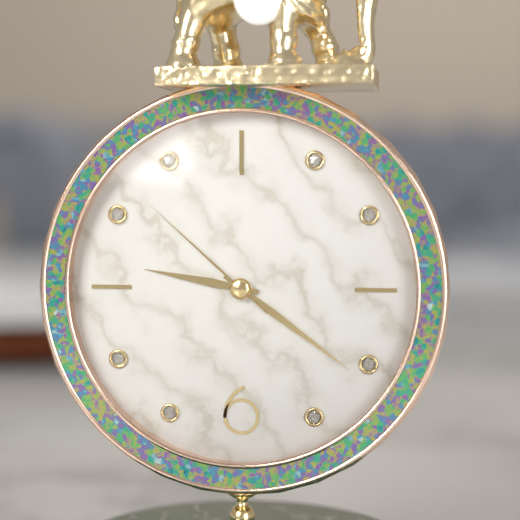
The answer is 9.21.52
